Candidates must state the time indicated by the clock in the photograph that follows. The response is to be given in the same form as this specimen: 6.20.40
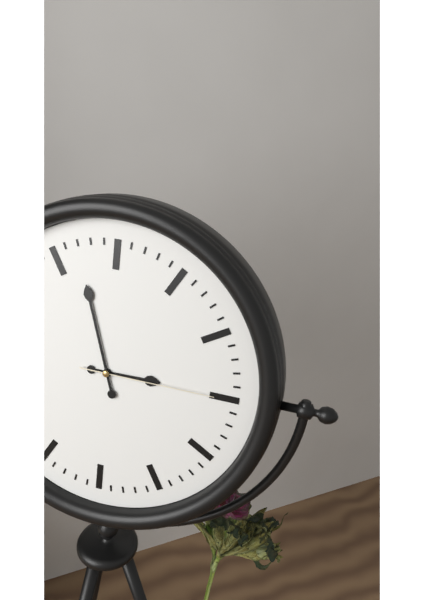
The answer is 2.57.15
